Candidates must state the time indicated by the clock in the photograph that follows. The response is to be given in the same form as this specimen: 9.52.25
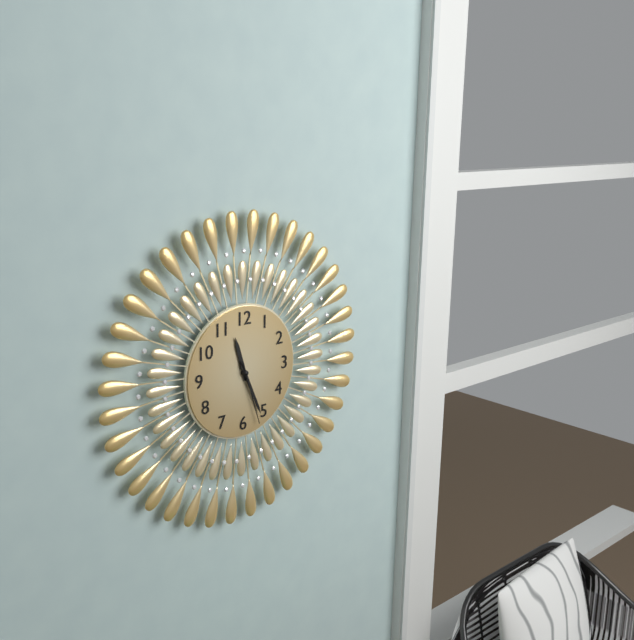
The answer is 11.26.27
